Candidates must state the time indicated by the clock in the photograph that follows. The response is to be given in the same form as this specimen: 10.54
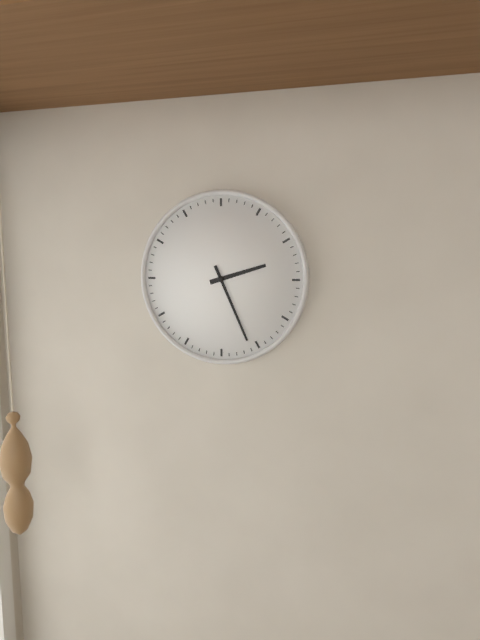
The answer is 2.26
